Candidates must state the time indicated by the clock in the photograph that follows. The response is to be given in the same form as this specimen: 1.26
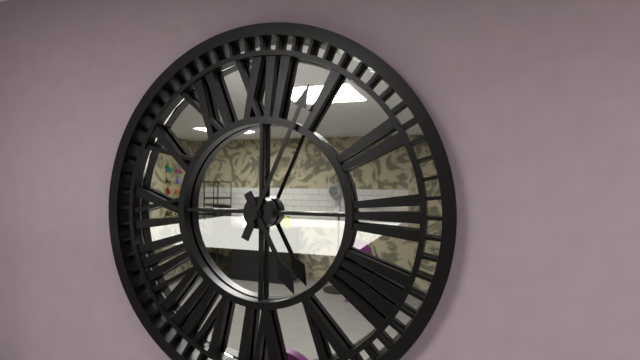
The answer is 5.04
